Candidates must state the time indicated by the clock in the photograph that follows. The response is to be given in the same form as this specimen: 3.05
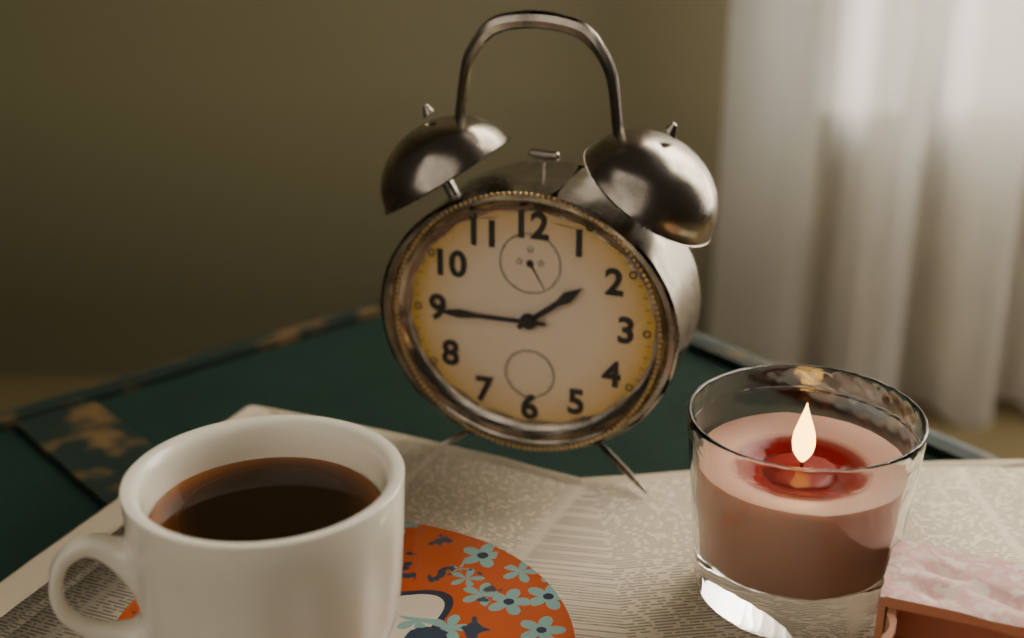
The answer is 1.45
